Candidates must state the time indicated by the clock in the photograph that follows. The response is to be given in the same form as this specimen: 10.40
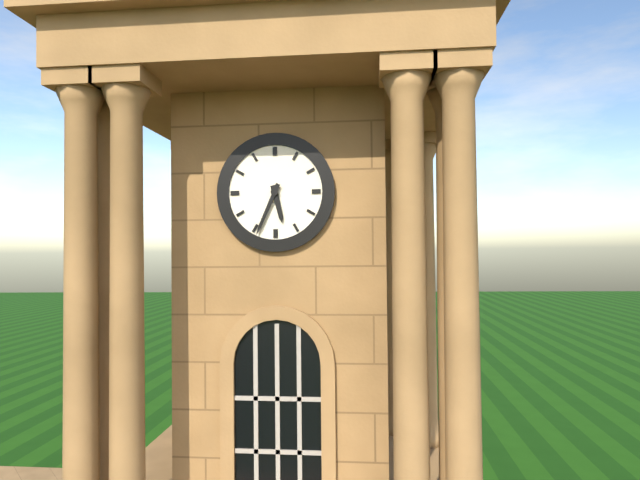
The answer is 5.34
